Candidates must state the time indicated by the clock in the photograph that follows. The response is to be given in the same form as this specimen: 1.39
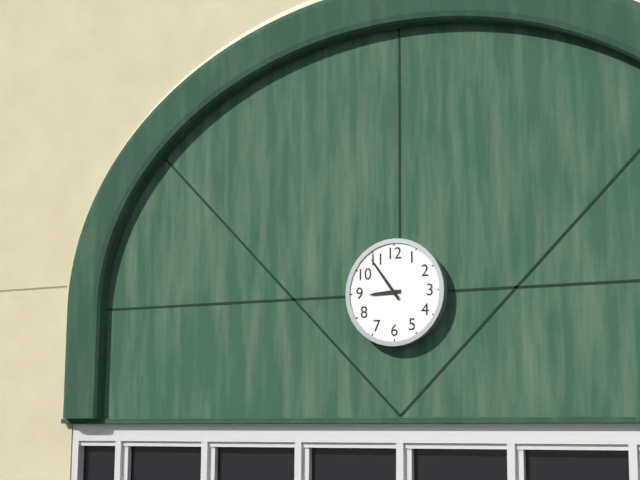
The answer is 8.54
